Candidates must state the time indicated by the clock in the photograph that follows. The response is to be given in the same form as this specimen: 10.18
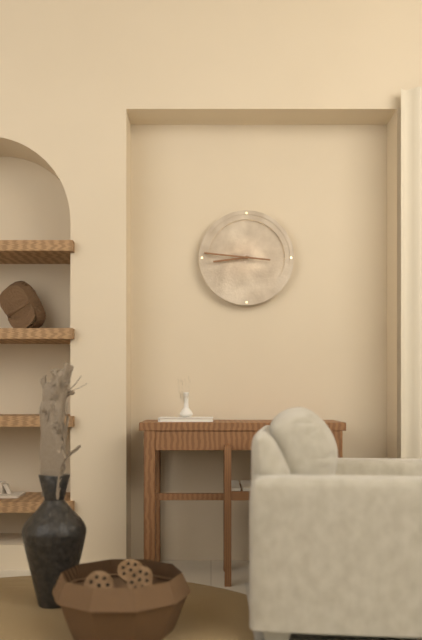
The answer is 8.46
